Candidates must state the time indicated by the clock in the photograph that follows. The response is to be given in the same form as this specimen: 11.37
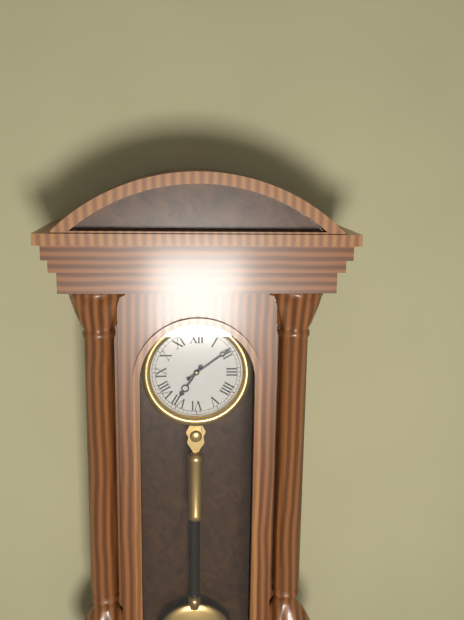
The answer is 7.09
